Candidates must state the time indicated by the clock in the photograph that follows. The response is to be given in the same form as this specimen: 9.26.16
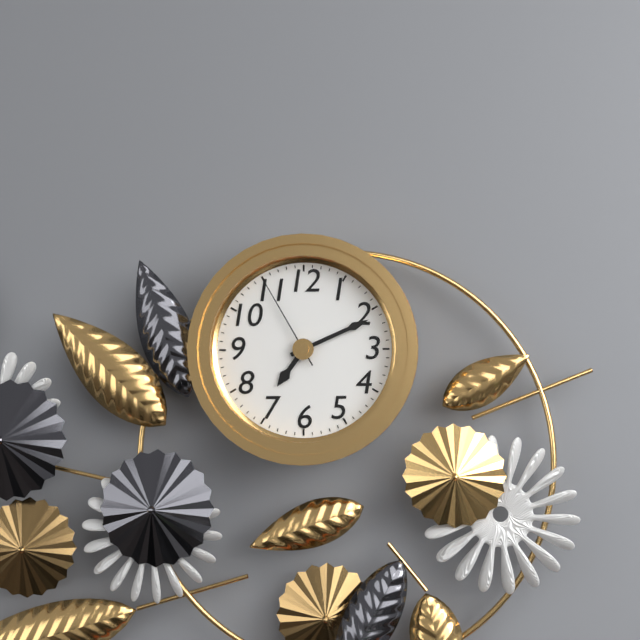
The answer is 7.11.55
